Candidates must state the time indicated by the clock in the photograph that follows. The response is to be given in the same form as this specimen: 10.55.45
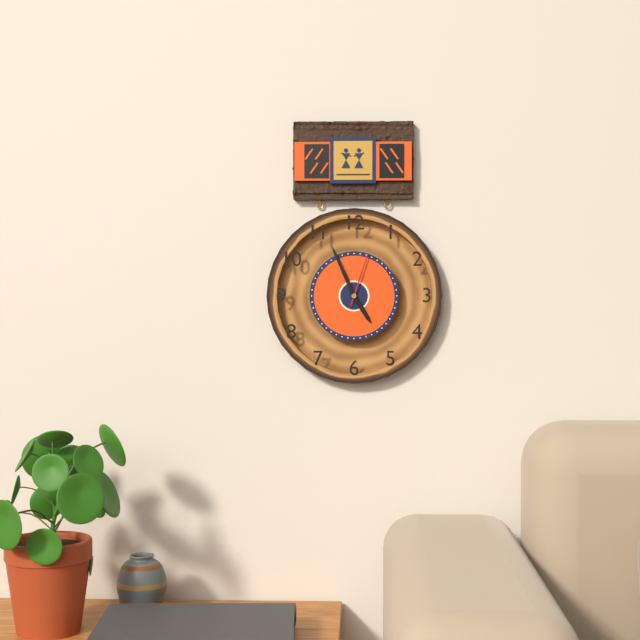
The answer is 4.56.03
